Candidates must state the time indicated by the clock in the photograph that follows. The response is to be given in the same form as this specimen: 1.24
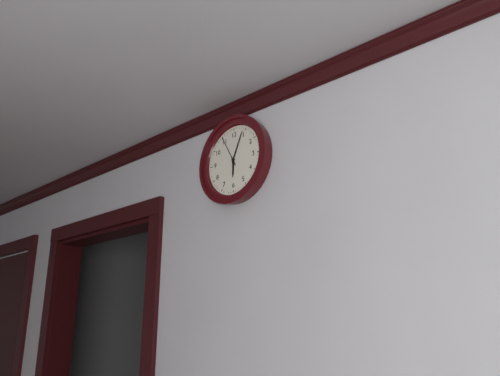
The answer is 6.04
